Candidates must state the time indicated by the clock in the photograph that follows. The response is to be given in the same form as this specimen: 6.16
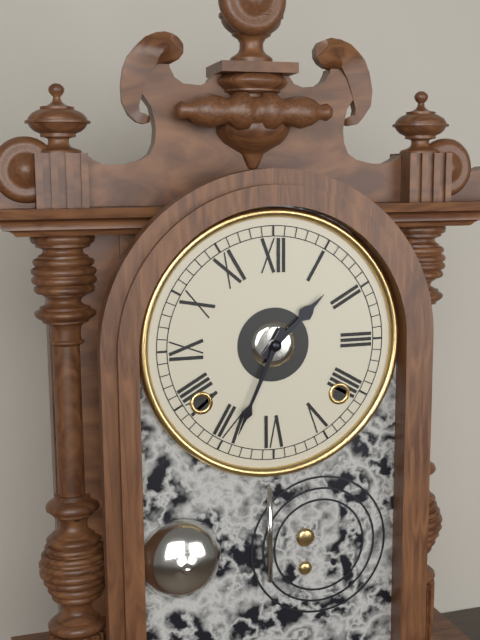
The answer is 1.34
